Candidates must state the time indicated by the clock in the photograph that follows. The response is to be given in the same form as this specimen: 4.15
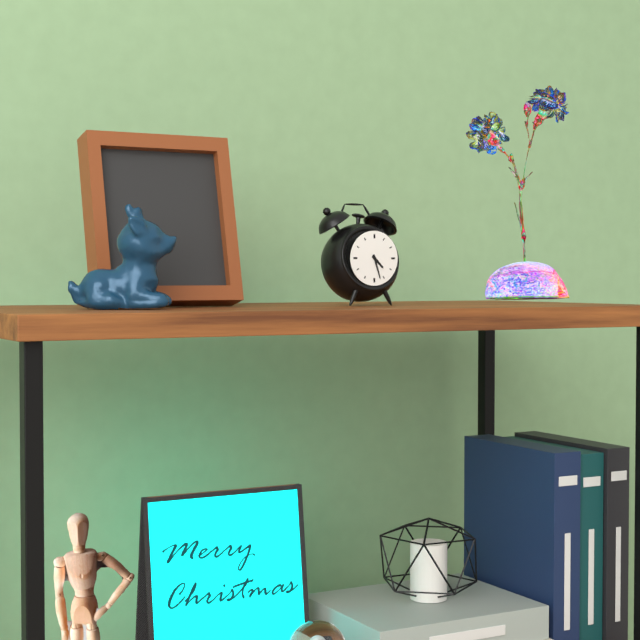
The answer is 4.27
